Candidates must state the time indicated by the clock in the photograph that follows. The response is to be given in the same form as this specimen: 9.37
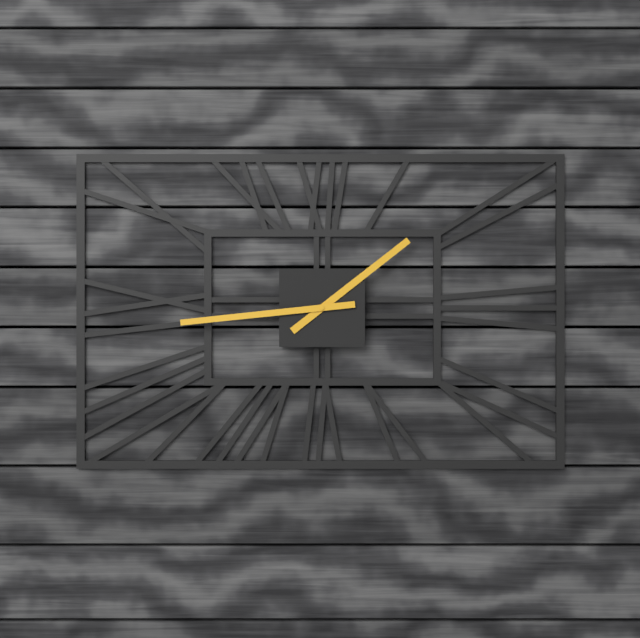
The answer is 1.44
